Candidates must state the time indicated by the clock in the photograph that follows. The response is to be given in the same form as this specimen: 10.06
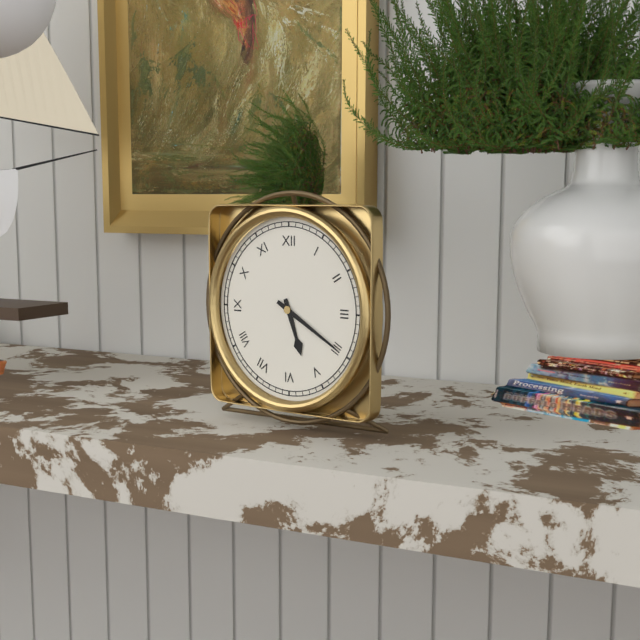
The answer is 5.20
